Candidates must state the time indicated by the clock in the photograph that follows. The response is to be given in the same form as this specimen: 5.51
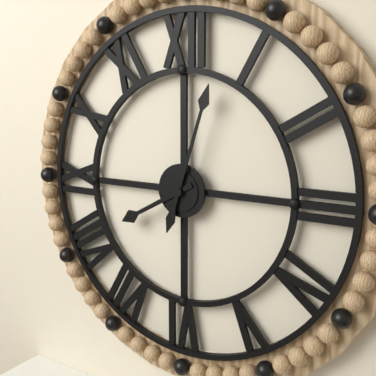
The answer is 8.03
